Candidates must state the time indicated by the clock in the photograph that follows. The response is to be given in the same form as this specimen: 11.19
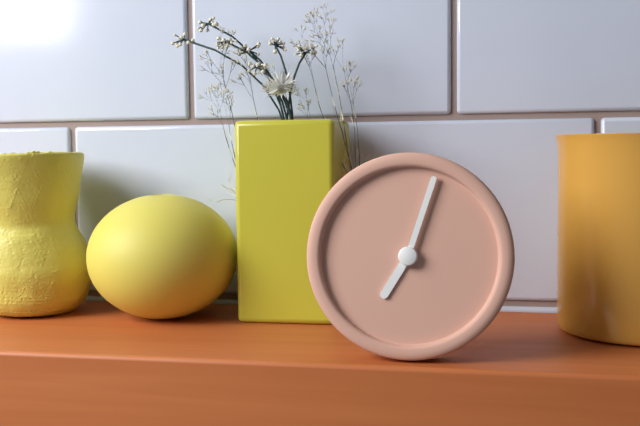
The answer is 7.03
